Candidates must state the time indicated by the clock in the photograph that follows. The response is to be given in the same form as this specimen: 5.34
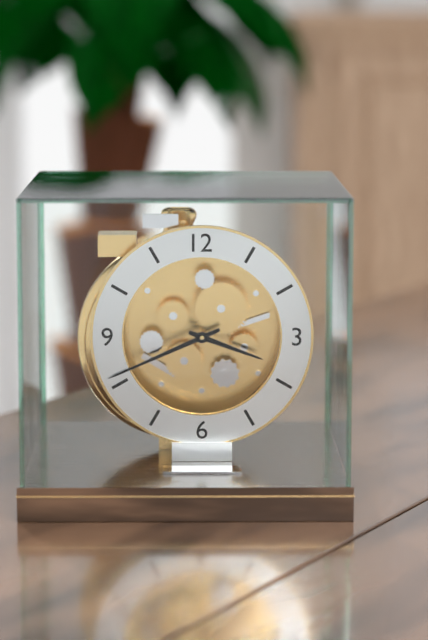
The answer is 3.41
